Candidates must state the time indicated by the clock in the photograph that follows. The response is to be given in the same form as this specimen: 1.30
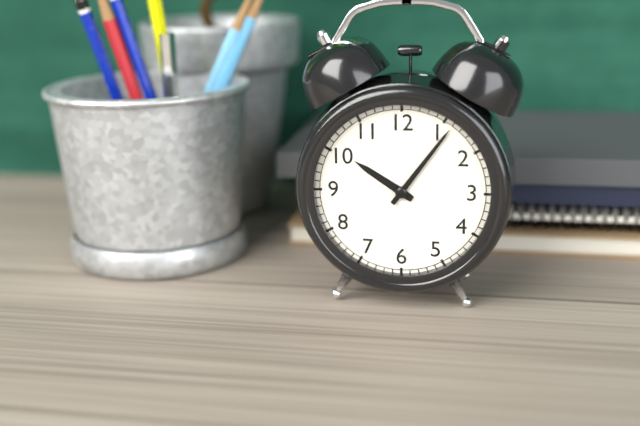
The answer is 10.06
